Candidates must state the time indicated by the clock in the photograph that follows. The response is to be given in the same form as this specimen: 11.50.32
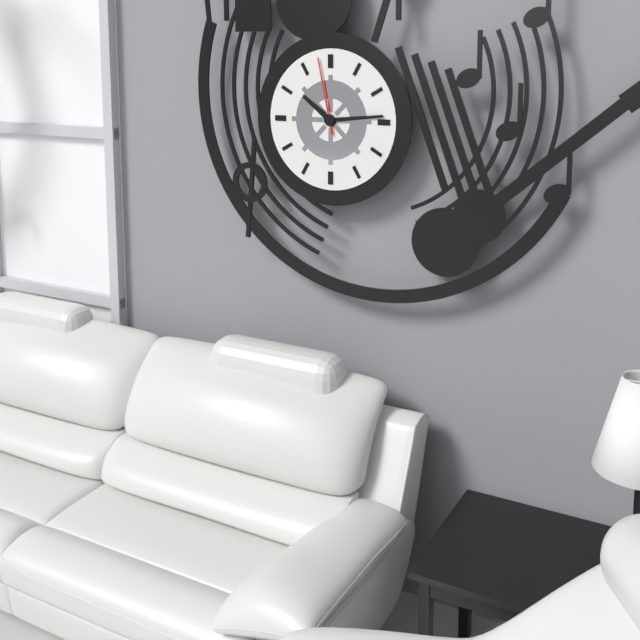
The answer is 10.14.58
